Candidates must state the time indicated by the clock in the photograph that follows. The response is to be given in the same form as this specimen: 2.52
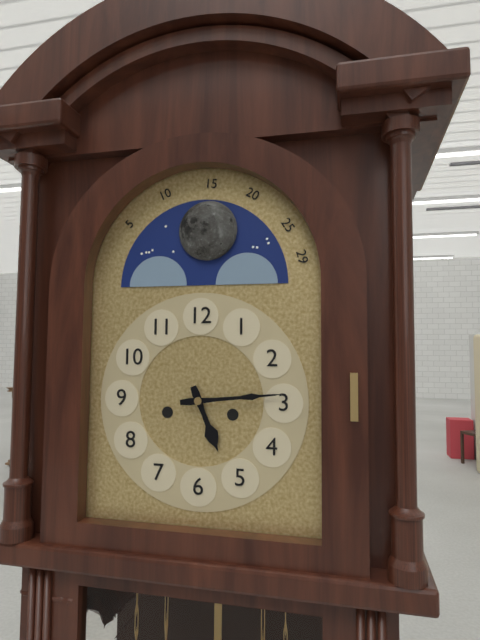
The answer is 5.14
